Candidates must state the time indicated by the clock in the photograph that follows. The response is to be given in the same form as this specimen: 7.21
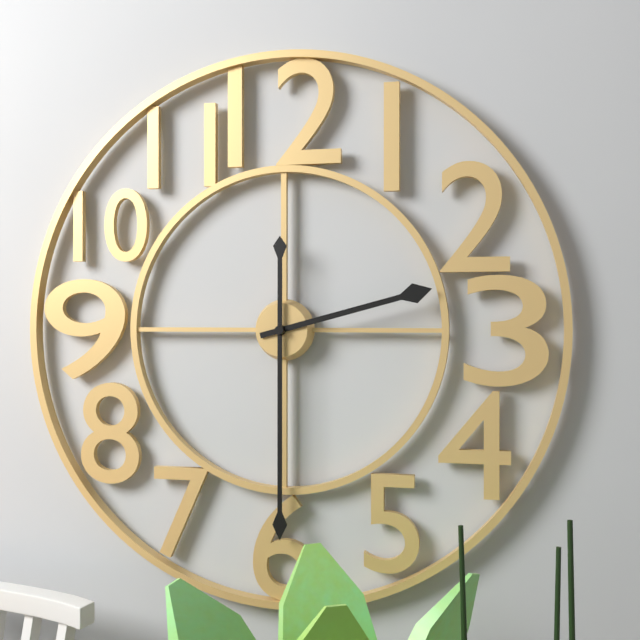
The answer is 2.30
